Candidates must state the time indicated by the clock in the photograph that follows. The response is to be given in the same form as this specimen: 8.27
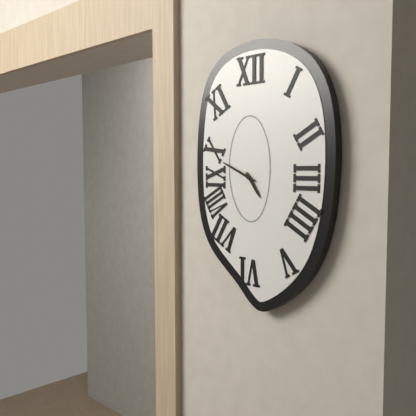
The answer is 4.49
